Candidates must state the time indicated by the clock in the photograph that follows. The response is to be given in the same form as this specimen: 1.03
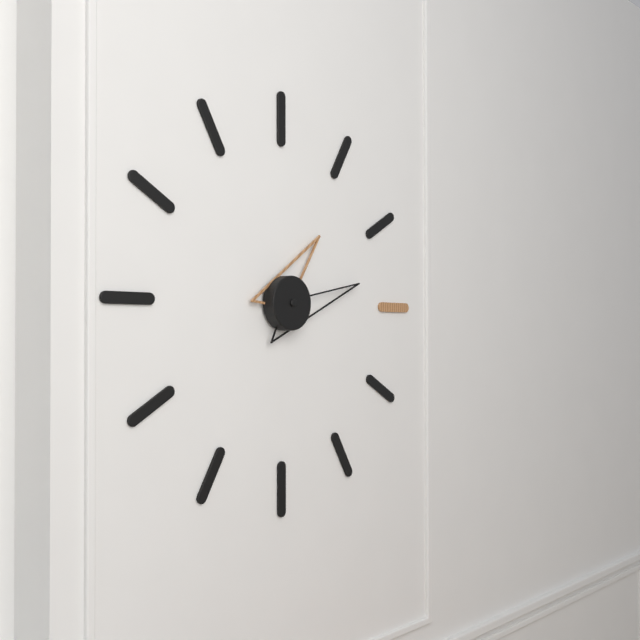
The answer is 1.13
